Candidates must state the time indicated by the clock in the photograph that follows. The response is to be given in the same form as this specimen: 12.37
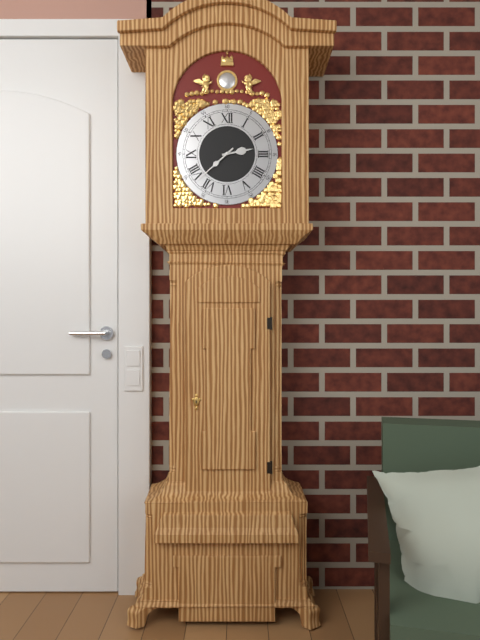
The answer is 2.38
